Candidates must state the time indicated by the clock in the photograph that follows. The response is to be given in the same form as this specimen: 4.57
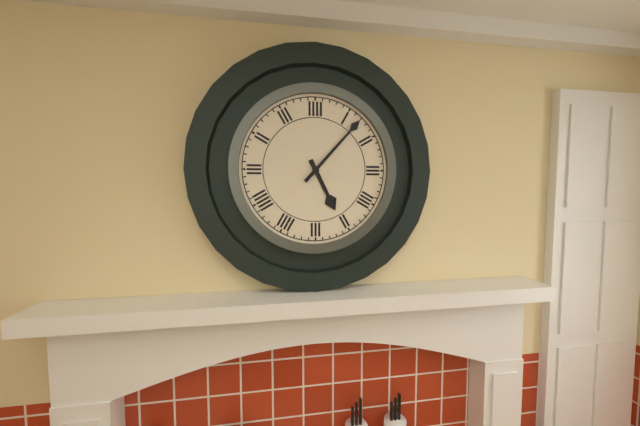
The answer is 5.07
